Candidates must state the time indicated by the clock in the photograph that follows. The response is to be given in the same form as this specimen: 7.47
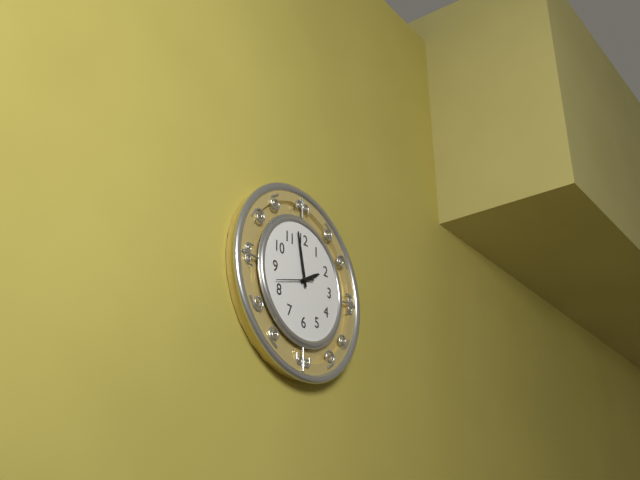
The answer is 1.58
